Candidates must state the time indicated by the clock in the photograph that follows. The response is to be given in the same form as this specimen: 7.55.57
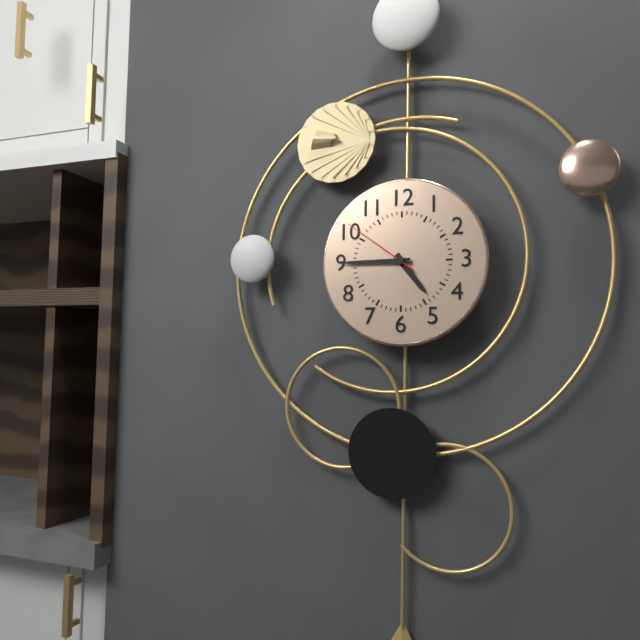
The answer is 4.45.51
